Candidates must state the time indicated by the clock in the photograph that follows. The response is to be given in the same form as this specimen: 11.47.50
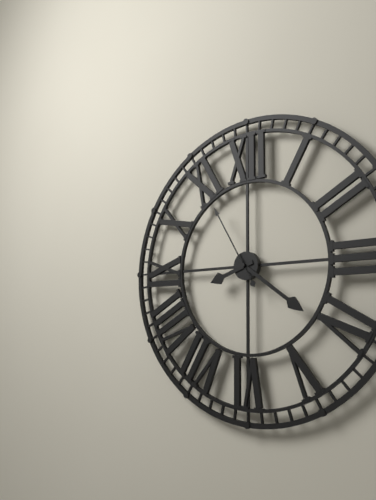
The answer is 8.21.55
